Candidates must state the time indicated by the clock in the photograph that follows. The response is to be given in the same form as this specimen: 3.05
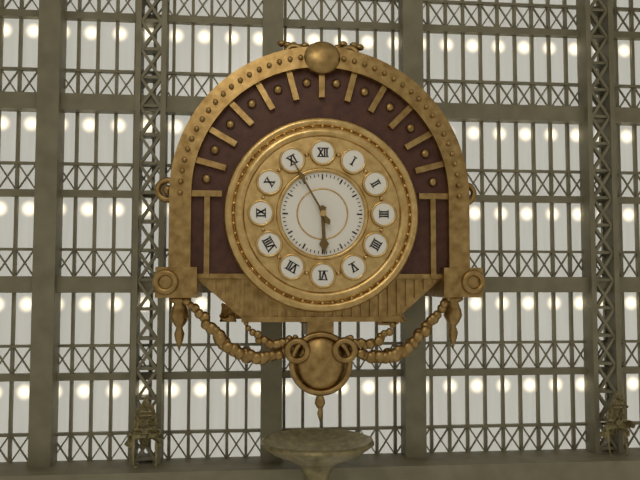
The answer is 5.55
